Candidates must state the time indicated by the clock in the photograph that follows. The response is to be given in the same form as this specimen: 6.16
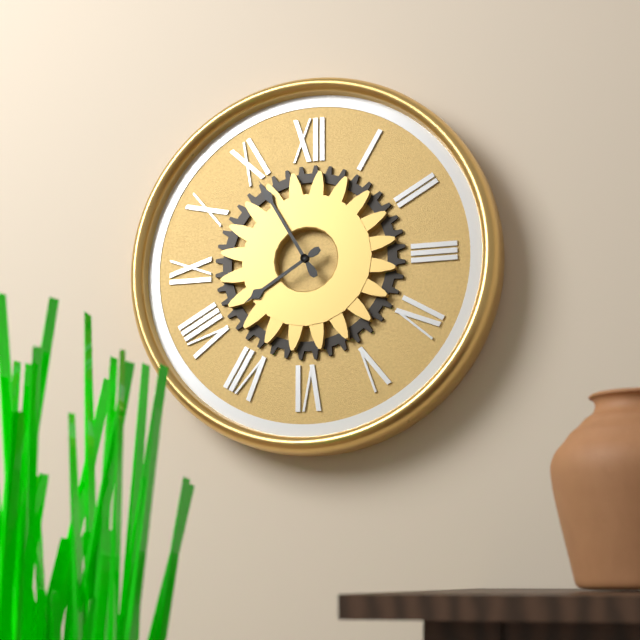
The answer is 7.55
